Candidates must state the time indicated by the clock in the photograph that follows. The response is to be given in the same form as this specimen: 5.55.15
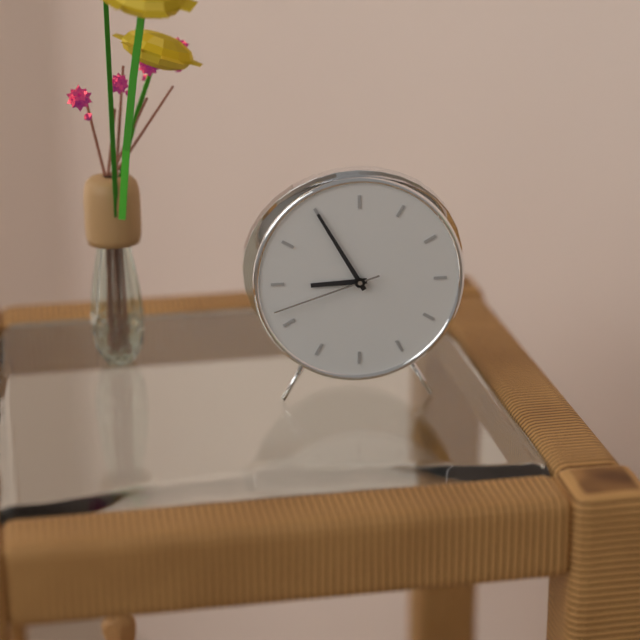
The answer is 8.55.42
